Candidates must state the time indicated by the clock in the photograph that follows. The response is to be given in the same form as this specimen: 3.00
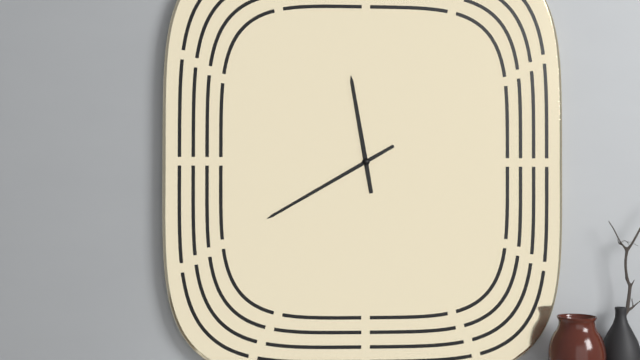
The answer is 11.40
